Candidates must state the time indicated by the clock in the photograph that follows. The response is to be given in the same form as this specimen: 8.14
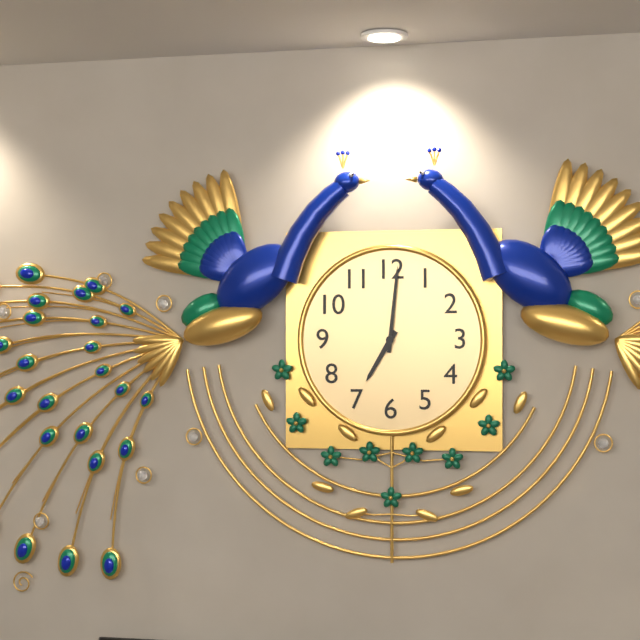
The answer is 7.01
